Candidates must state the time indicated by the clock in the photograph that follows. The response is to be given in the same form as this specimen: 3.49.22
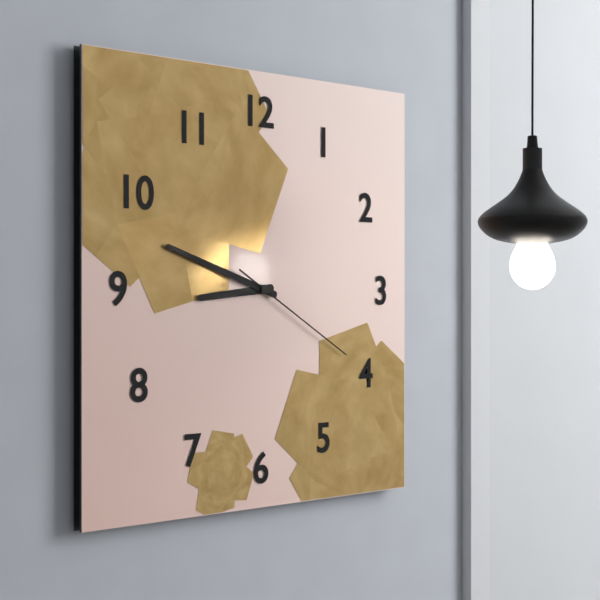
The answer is 8.48.20
